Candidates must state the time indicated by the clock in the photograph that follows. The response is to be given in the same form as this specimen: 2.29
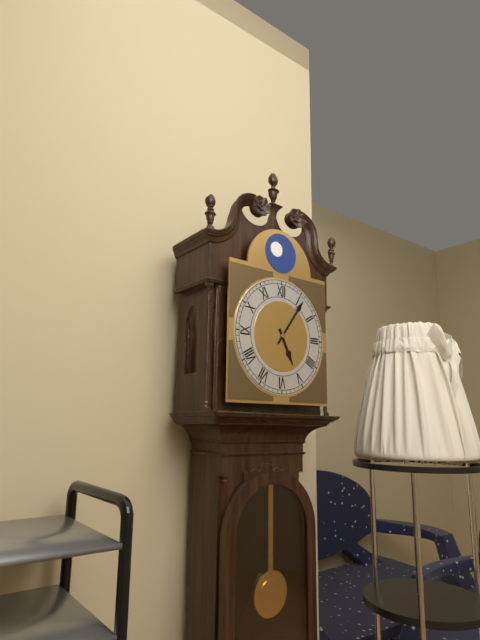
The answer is 5.06
